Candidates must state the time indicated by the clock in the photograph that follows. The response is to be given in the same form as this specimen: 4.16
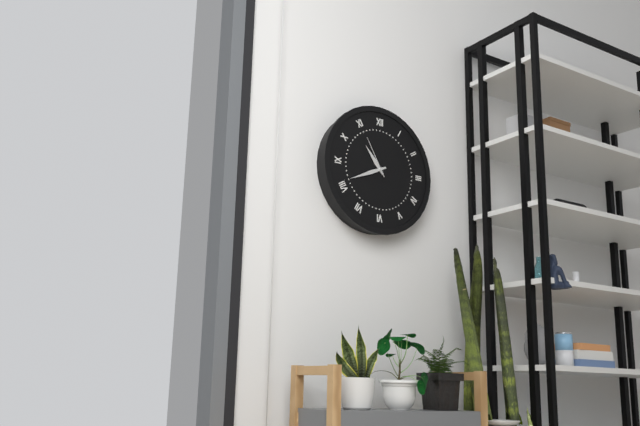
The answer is 10.41
